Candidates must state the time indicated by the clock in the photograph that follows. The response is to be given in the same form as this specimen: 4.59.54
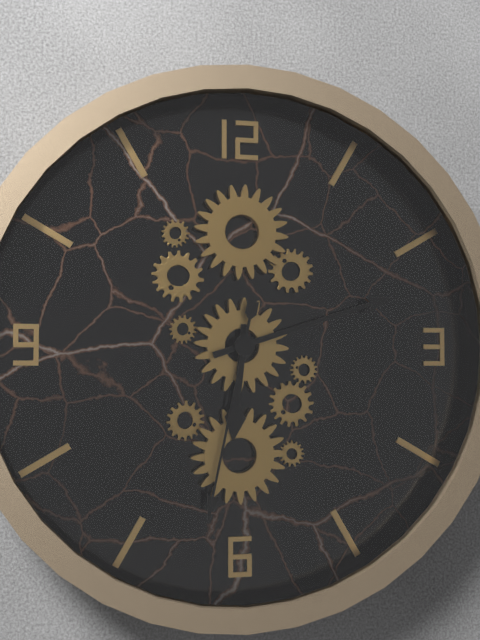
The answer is 6.12.32
